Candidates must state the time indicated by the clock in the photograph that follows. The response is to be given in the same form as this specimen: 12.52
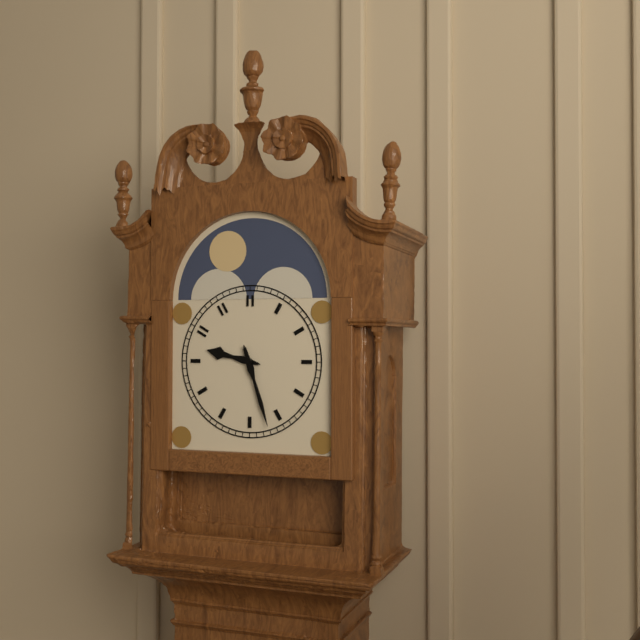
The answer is 9.27
